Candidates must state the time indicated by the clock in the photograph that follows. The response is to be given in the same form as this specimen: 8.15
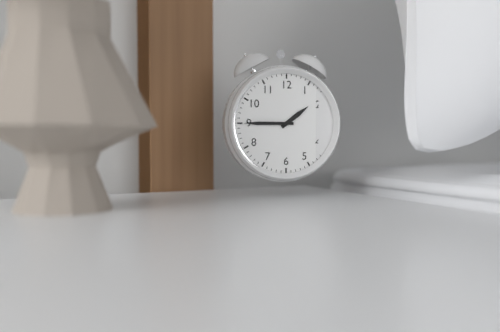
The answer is 1.45
